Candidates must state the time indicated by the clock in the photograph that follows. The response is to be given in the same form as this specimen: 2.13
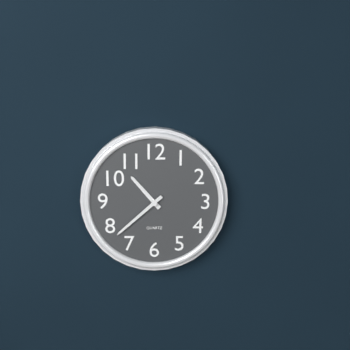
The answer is 10.38
